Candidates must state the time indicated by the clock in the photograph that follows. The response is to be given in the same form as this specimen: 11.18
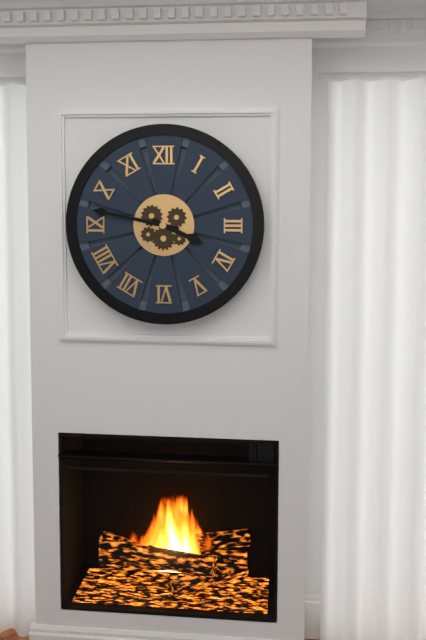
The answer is 3.47
